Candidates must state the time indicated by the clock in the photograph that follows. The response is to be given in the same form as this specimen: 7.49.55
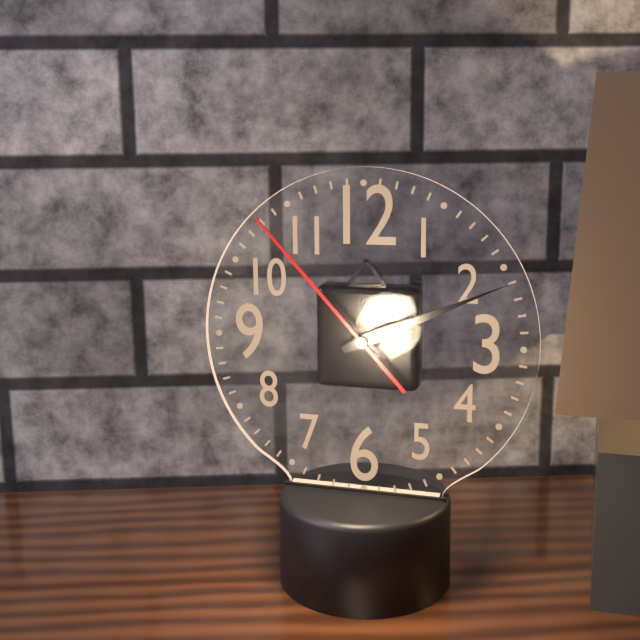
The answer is 2.11.53
